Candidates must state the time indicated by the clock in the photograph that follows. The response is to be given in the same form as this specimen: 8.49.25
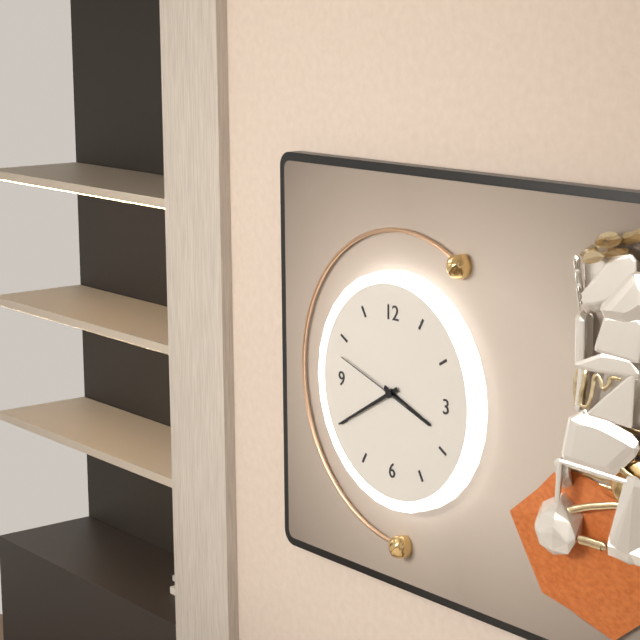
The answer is 3.40.48
